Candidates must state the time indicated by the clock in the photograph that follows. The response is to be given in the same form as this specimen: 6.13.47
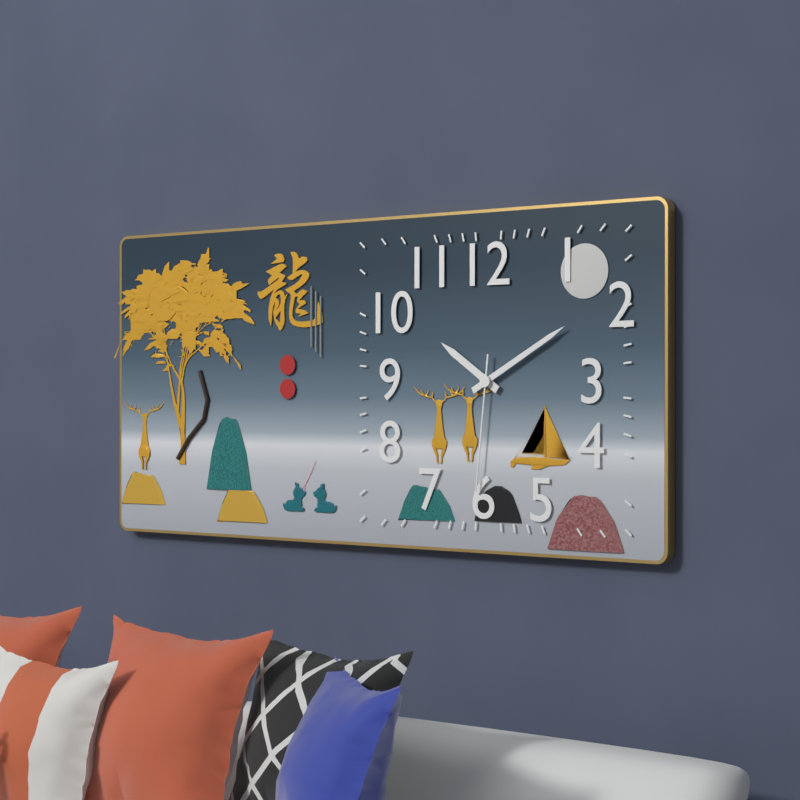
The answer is 10.10.31
